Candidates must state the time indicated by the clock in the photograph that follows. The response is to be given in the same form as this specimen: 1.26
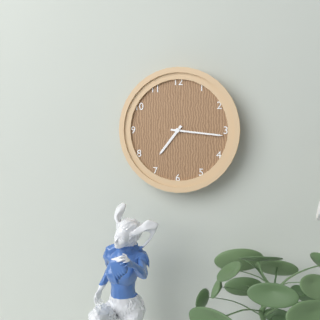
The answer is 7.16
